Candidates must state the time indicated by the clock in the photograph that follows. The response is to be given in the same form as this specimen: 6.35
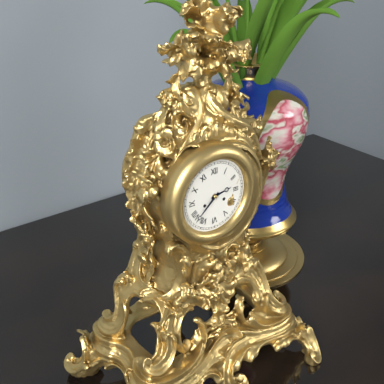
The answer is 2.38
